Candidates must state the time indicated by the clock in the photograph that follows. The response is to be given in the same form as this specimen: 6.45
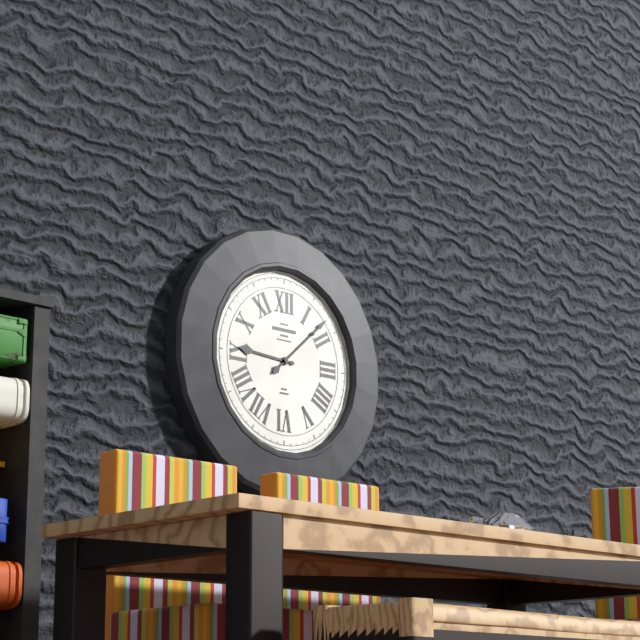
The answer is 9.08
